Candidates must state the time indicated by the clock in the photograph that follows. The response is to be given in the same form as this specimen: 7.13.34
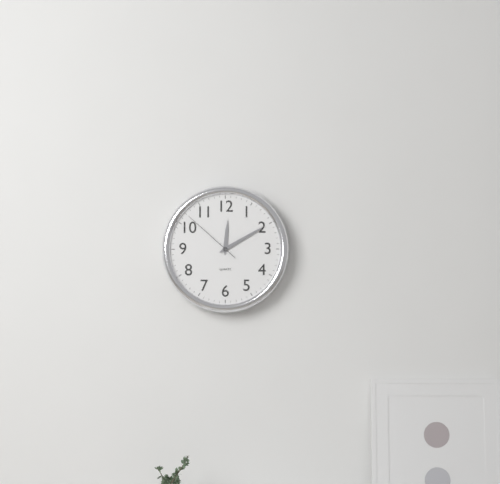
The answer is 12.10.52
